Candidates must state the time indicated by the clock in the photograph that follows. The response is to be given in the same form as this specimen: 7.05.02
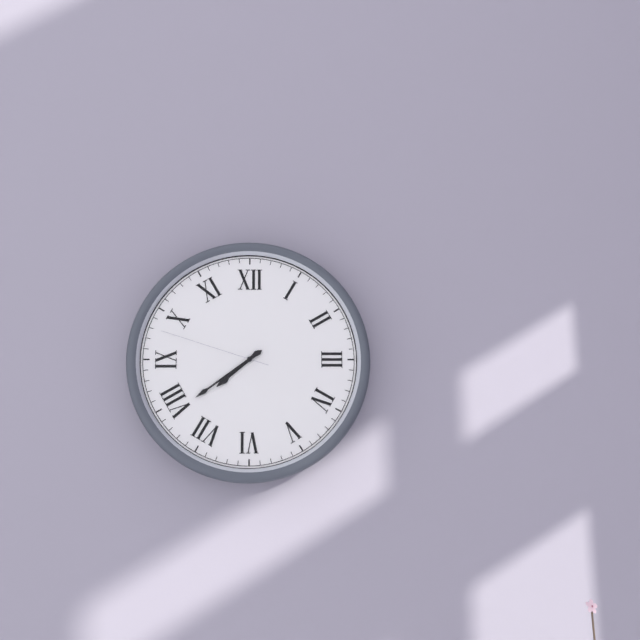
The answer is 7.39.48
